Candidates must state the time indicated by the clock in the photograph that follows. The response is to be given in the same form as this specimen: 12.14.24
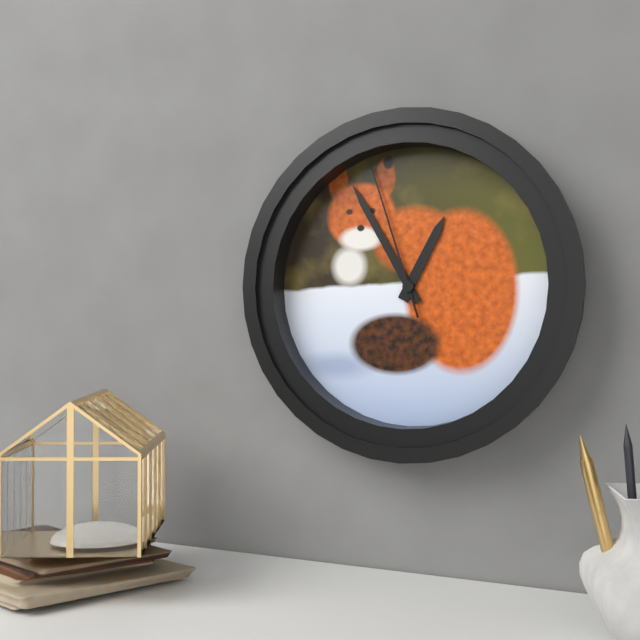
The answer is 12.55.57
